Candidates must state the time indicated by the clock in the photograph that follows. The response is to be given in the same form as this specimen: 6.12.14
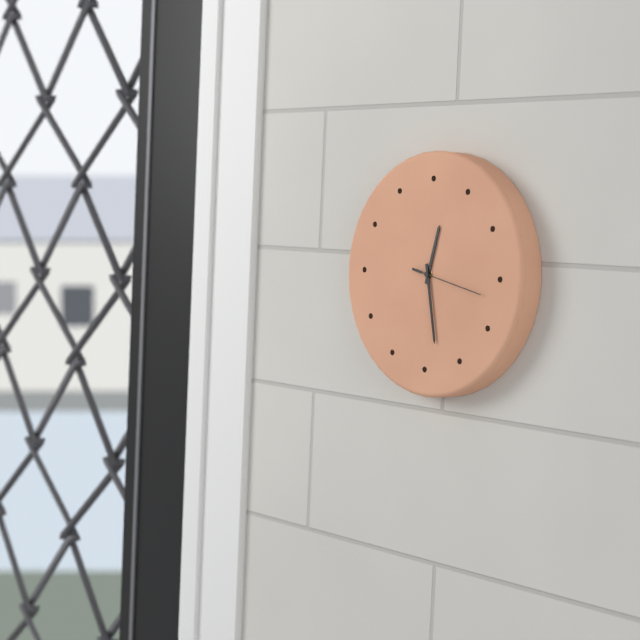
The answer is 12.28.17
